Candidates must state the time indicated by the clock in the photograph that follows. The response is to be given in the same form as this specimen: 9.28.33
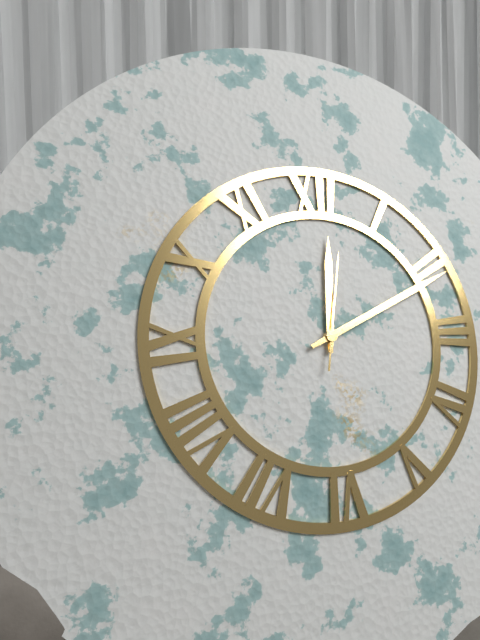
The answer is 12.11.02
